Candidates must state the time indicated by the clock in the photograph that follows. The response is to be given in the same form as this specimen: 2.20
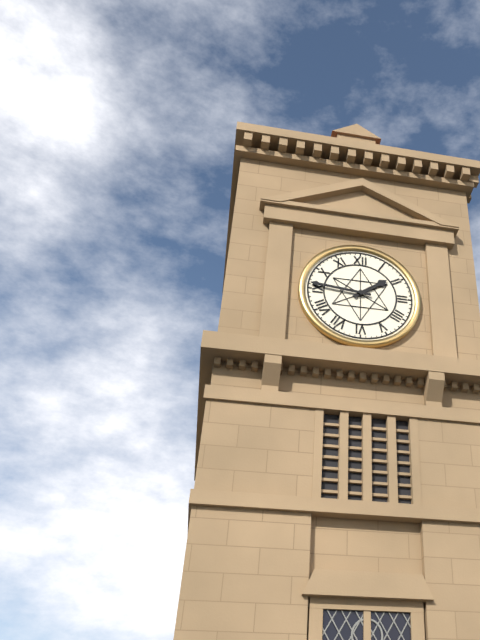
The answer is 1.46
